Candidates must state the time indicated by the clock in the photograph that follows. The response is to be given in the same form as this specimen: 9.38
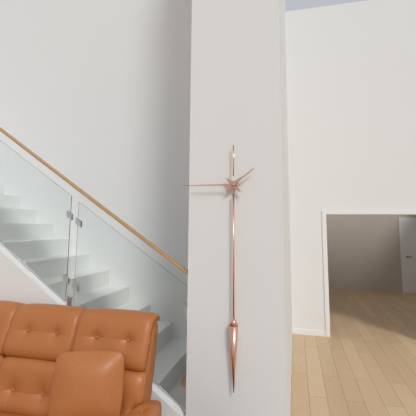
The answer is 1.45
